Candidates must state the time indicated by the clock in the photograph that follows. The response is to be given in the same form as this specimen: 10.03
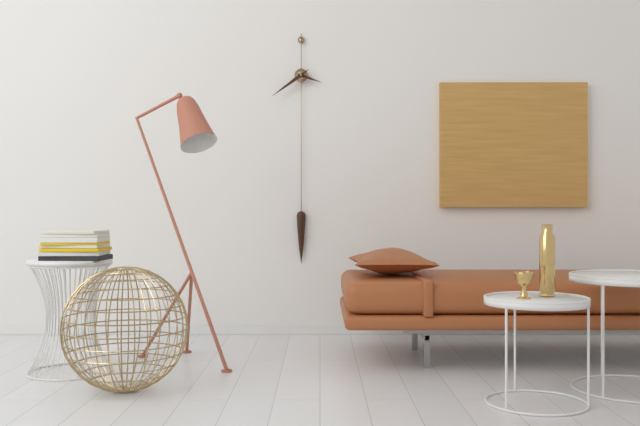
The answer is 3.39
